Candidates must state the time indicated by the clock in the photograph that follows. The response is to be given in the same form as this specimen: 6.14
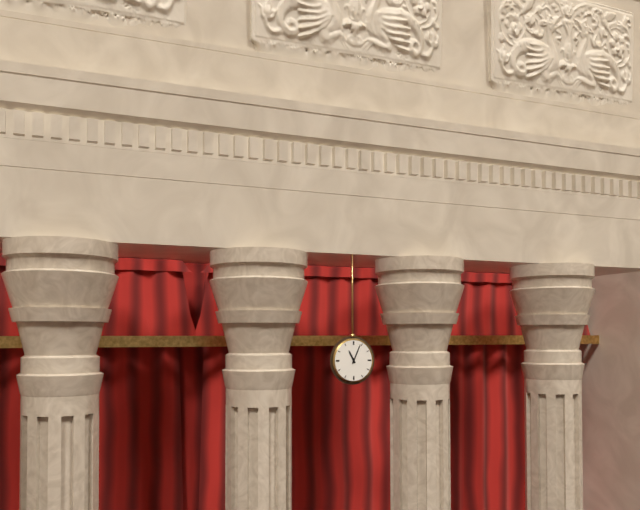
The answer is 11.04
